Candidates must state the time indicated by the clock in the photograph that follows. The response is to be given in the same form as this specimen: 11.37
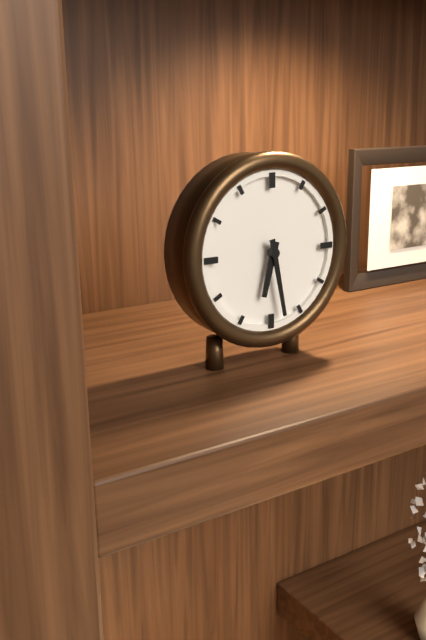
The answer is 6.28
